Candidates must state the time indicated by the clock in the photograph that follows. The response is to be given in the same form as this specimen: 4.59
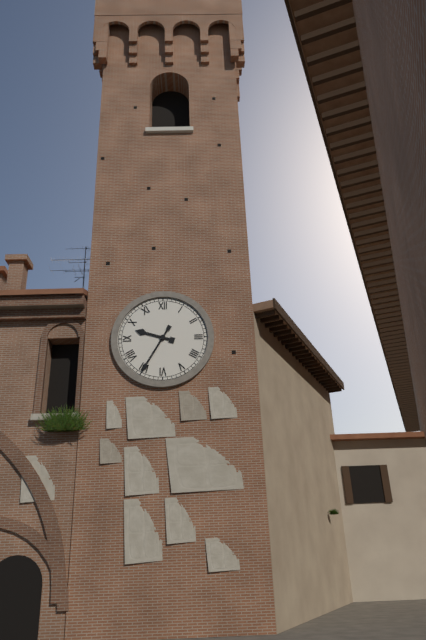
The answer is 9.35
